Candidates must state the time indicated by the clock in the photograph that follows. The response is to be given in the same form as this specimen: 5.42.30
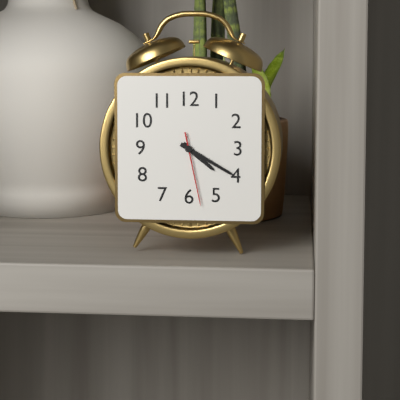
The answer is 4.20.28
